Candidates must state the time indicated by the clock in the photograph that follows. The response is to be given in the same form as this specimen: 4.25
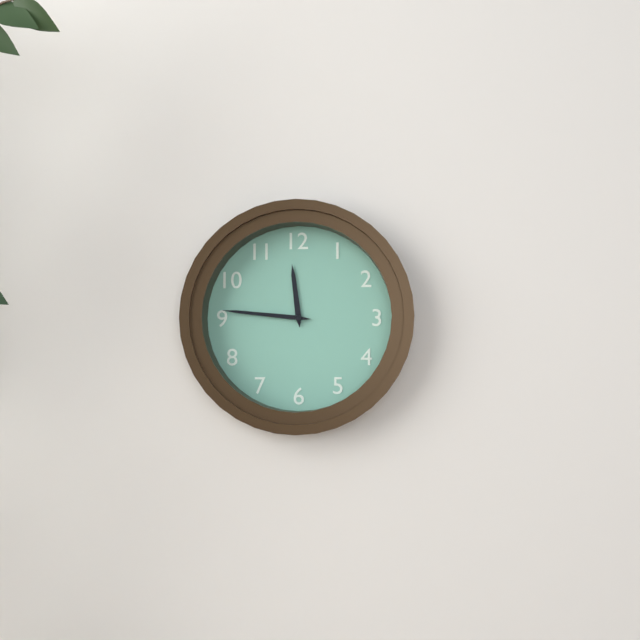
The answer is 11.46
